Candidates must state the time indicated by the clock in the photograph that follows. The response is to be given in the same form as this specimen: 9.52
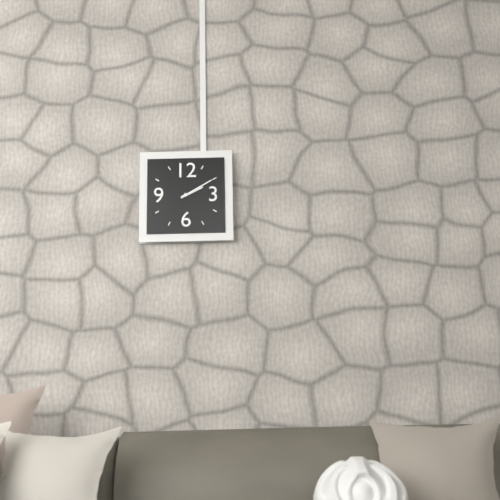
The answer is 2.10
